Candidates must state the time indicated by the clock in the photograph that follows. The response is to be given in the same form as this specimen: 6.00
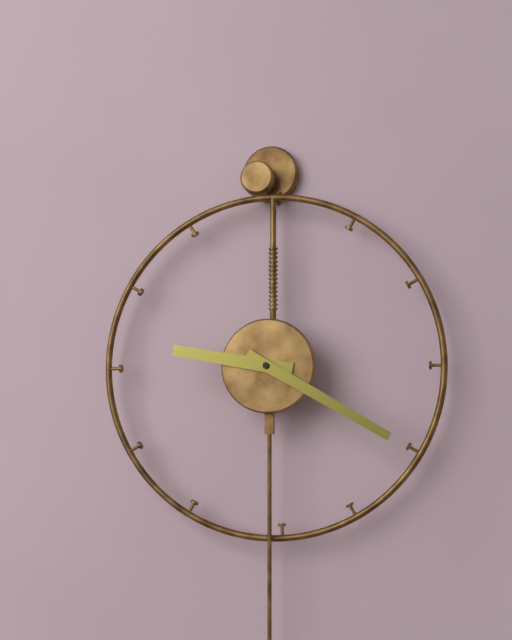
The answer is 9.20
